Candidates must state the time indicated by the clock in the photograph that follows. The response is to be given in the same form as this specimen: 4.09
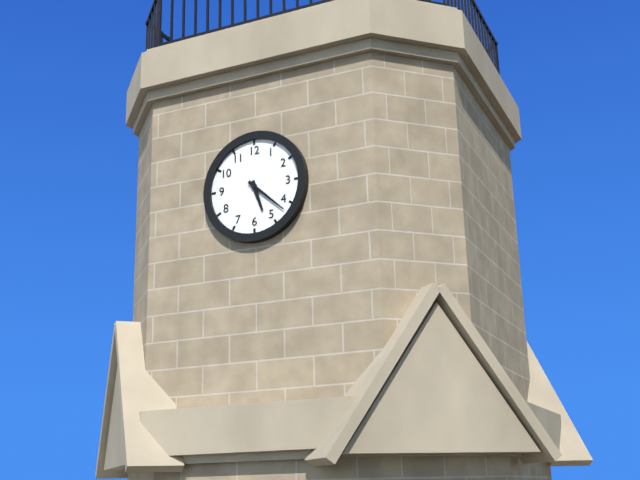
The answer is 5.22
